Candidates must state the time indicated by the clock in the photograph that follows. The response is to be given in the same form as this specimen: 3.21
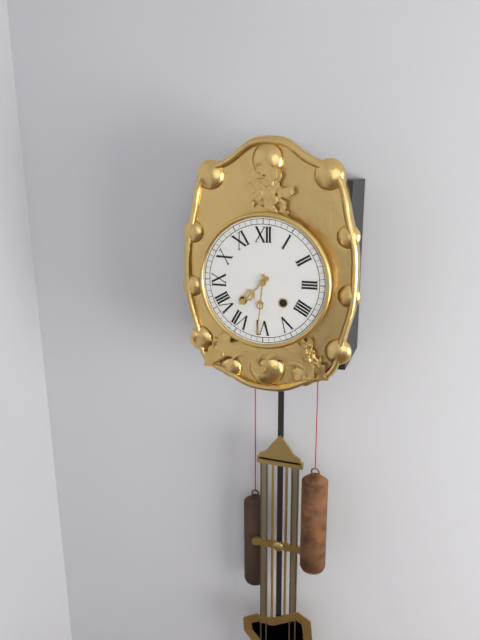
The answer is 7.31
